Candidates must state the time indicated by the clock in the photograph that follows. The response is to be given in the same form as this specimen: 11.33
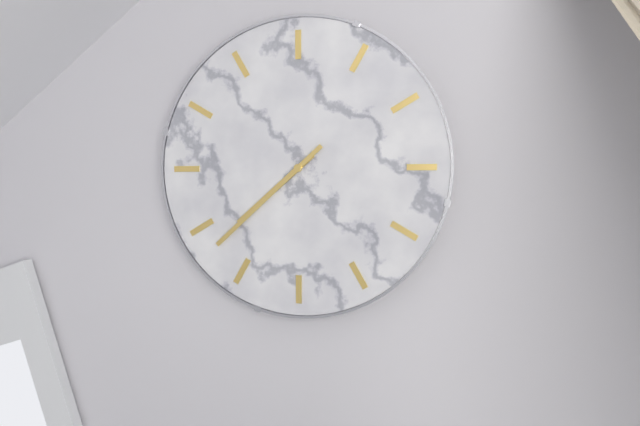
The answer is 7.38
